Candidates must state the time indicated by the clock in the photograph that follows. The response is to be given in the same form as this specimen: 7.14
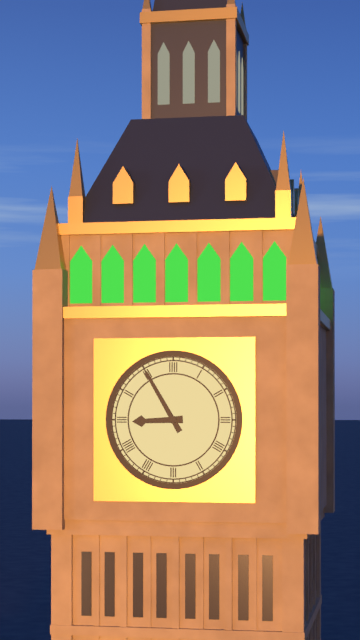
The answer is 8.55
